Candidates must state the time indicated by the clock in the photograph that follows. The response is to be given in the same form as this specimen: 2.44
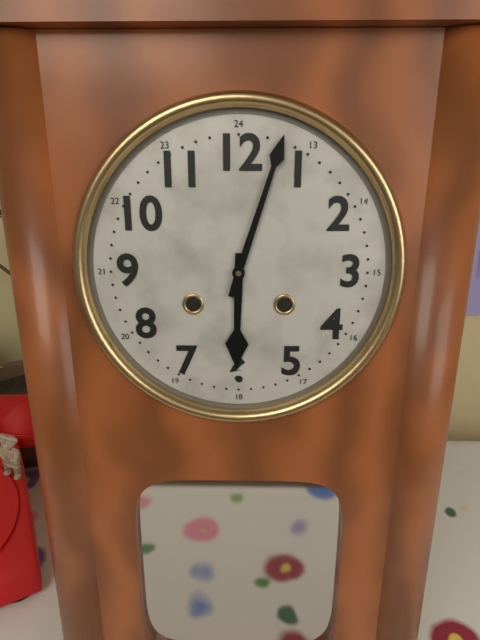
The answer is 6.03
